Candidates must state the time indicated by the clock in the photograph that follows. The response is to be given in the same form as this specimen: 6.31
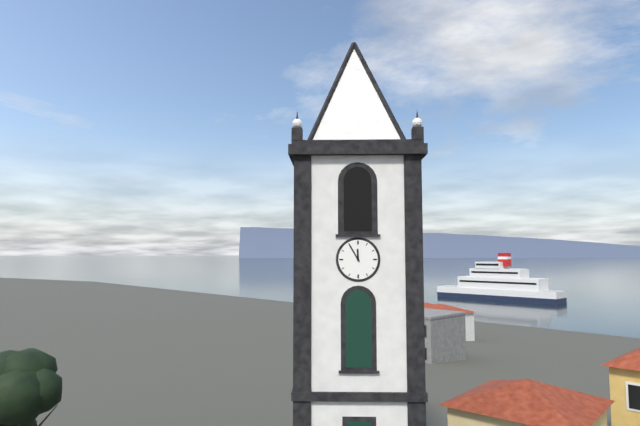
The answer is 11.55
